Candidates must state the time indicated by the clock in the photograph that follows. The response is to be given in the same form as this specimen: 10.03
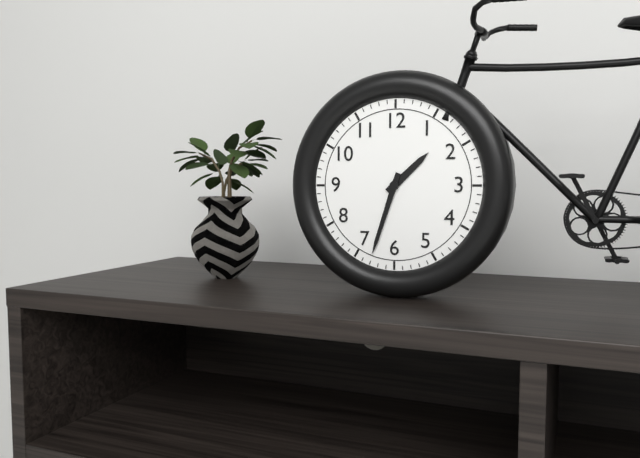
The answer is 1.33
